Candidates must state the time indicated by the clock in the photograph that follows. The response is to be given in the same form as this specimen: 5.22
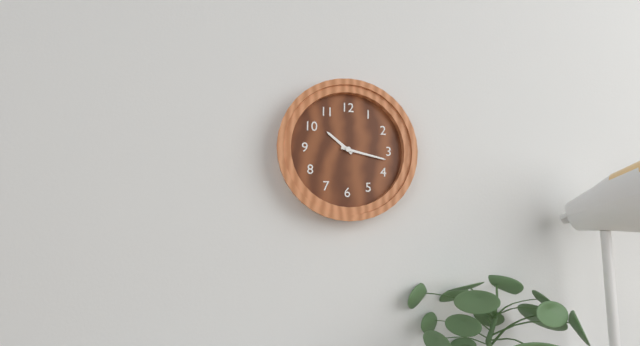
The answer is 10.17
